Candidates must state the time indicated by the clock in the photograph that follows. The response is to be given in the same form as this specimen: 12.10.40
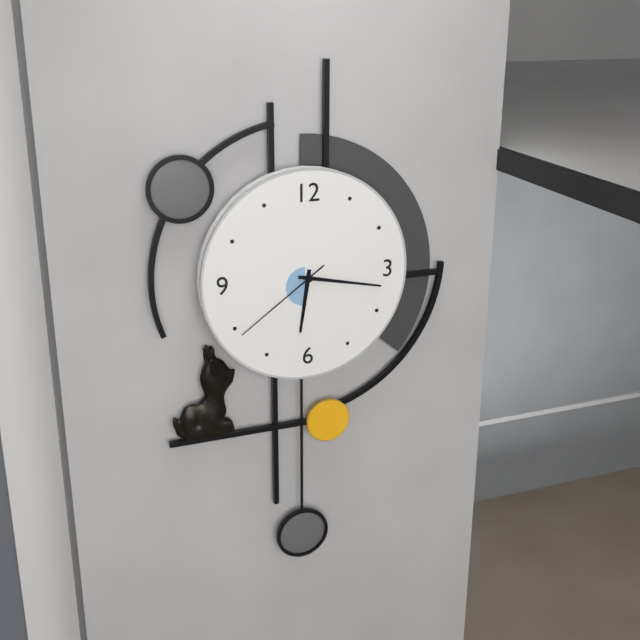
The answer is 6.17.39
